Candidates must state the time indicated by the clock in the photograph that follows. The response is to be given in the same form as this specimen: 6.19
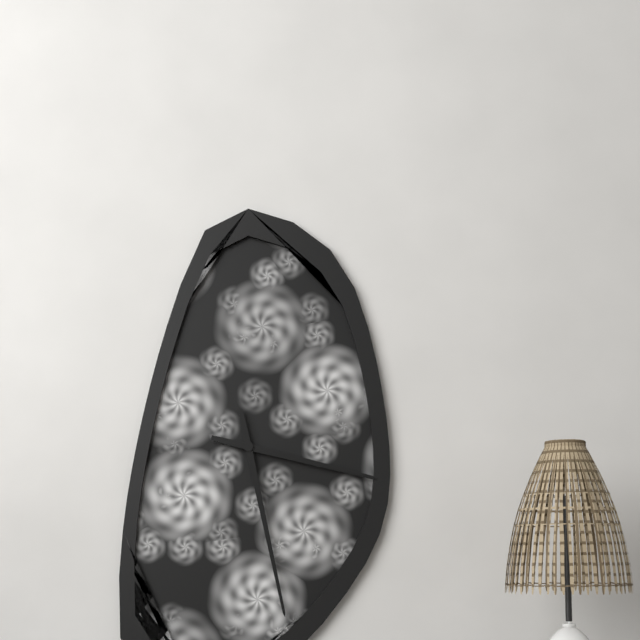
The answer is 3.28
